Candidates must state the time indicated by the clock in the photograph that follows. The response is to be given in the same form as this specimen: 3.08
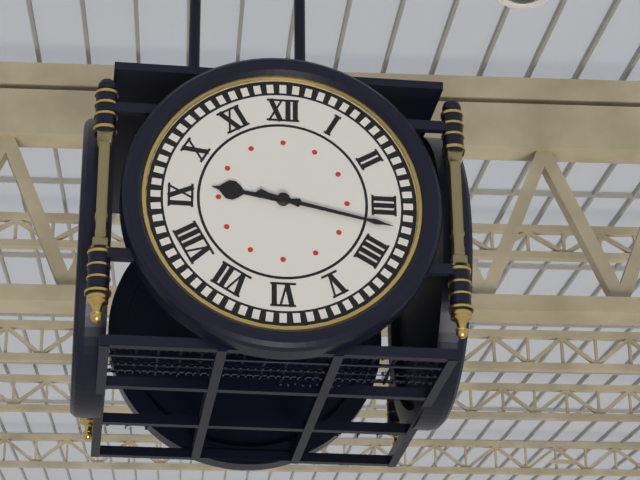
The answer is 9.17
